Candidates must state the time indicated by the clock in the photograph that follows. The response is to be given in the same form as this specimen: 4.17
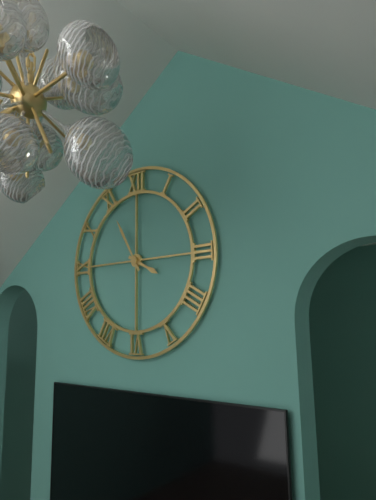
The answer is 3.55
